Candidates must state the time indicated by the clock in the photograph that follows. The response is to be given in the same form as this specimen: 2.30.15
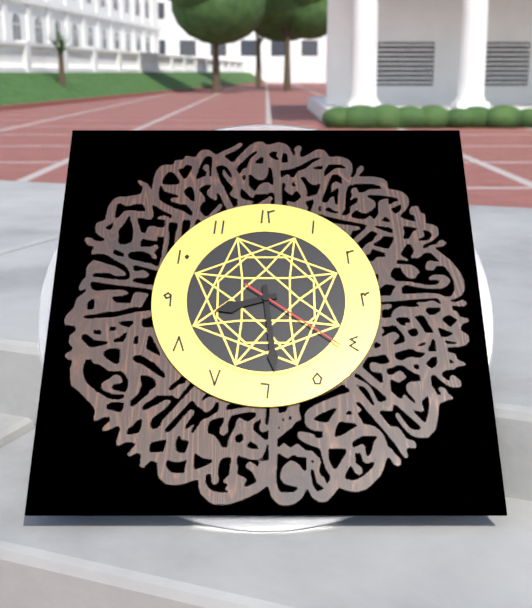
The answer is 8.29.21
